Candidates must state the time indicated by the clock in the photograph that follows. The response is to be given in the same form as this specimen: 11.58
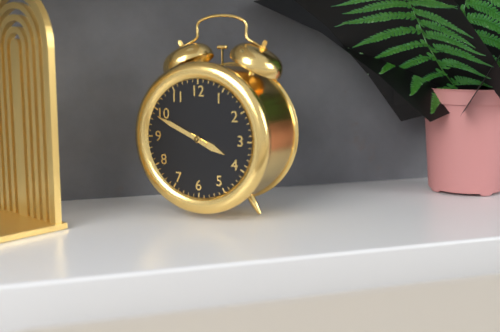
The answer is 3.49
